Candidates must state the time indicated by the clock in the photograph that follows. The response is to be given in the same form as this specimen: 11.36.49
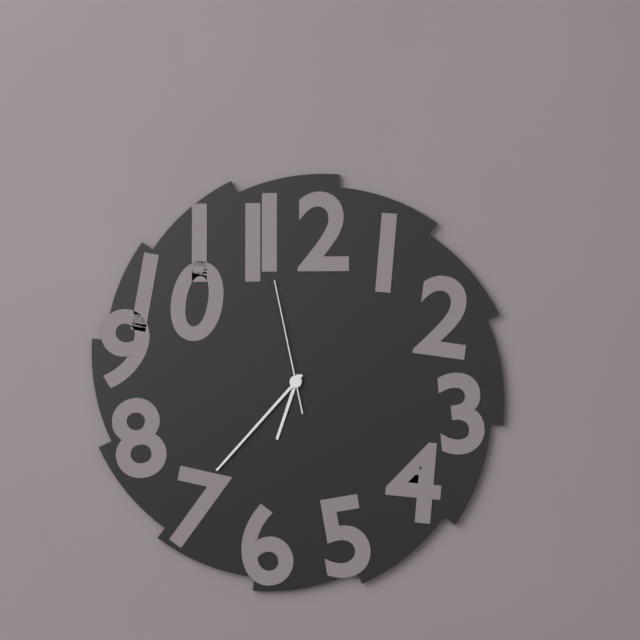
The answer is 6.37.58
